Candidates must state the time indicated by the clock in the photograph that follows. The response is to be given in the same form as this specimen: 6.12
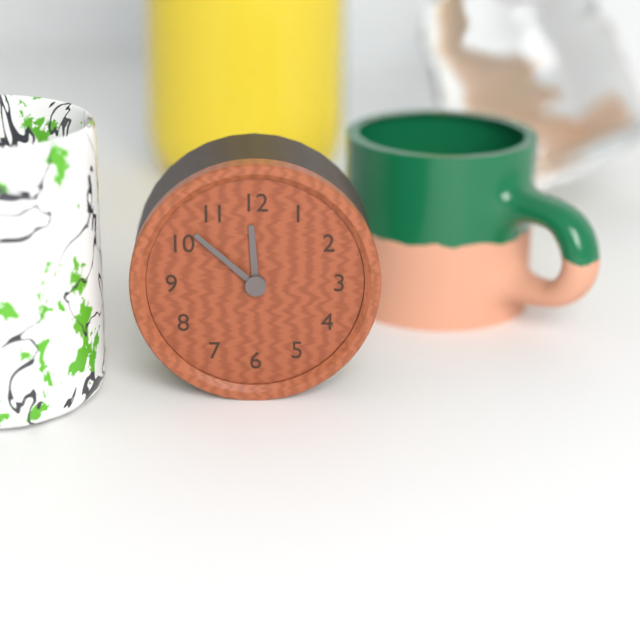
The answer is 11.52
